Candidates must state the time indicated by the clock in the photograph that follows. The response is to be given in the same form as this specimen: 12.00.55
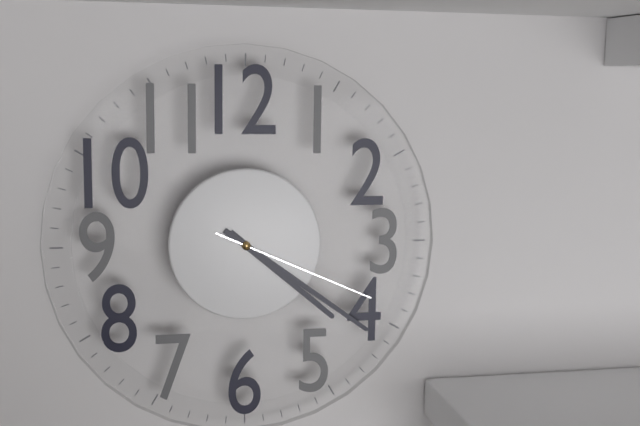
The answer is 4.21.19
